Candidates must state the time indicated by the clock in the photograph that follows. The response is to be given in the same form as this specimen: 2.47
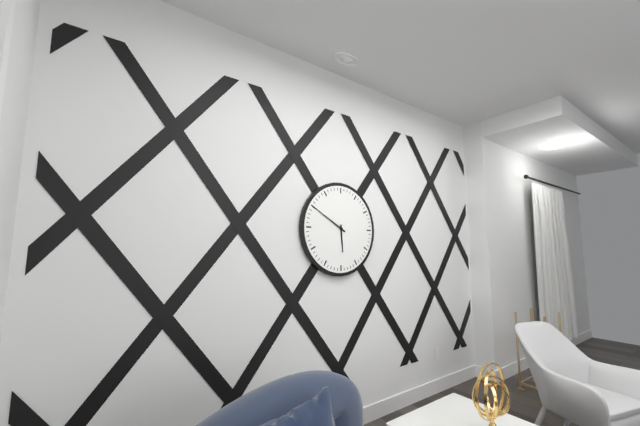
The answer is 5.50
